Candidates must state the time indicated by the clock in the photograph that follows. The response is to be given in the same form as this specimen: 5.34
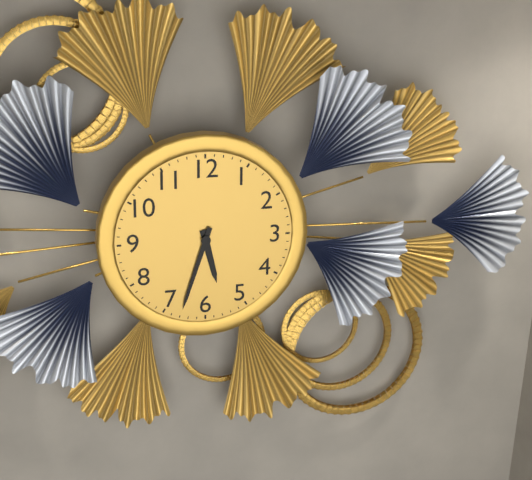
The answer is 5.33
